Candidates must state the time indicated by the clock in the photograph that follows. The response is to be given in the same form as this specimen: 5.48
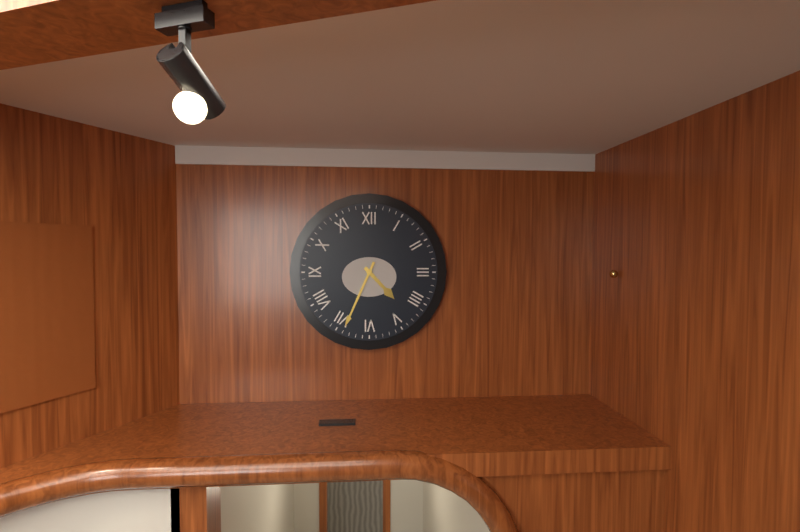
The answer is 4.34
